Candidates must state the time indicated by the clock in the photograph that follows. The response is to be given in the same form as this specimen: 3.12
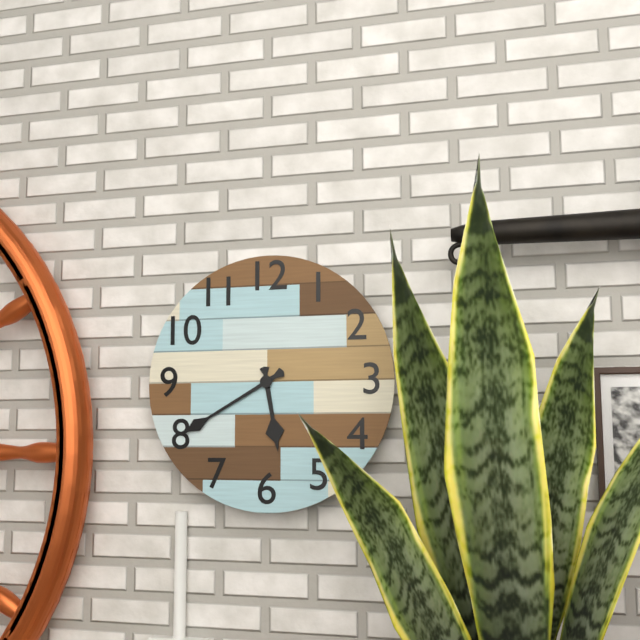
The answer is 5.40
